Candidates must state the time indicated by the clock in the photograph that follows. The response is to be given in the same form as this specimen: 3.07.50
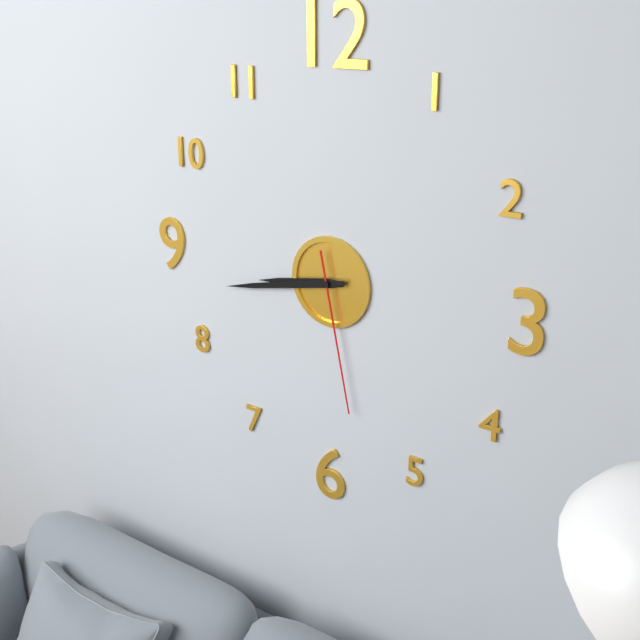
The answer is 8.43.28
